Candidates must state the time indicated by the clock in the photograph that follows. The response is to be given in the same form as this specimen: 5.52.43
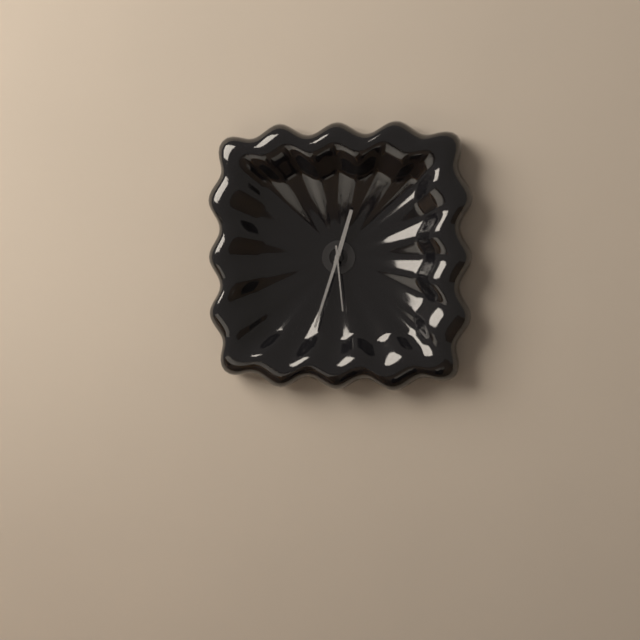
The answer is 12.33.29
